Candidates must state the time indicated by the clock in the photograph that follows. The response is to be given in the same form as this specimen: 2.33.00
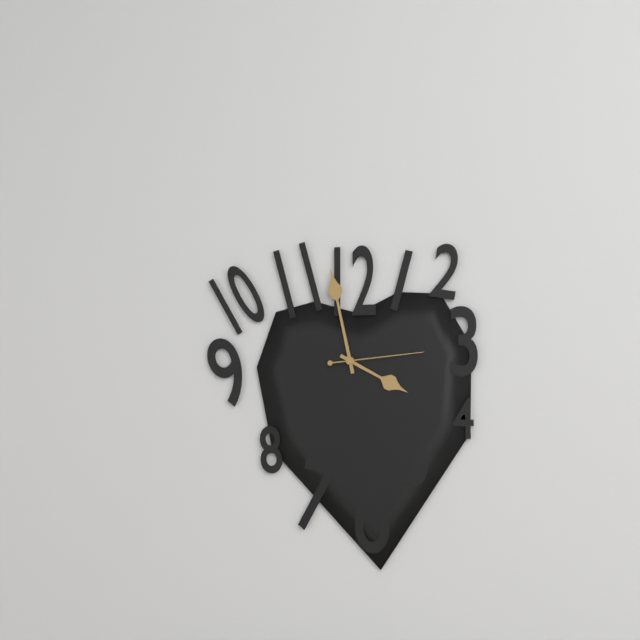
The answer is 3.58.14
